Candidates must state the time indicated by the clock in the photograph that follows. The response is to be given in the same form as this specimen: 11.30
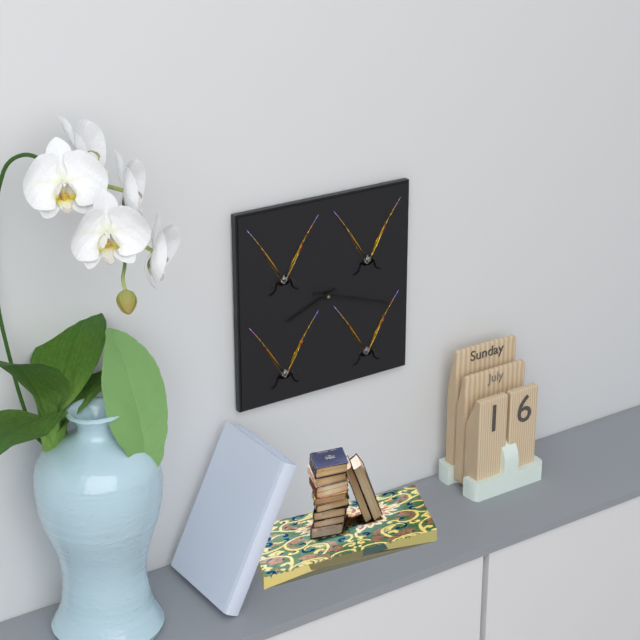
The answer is 8.18
